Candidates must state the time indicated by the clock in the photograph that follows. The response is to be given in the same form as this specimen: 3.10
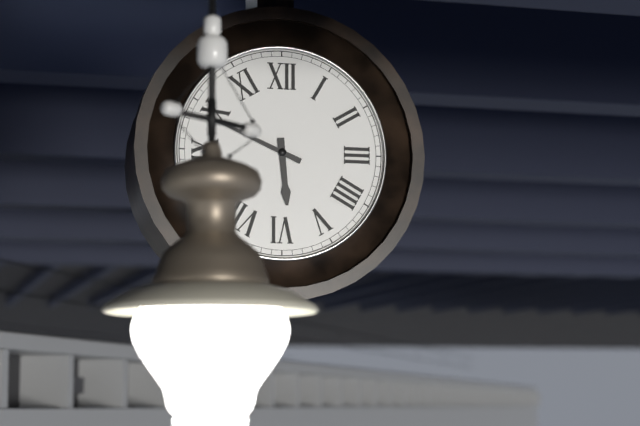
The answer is 5.49
